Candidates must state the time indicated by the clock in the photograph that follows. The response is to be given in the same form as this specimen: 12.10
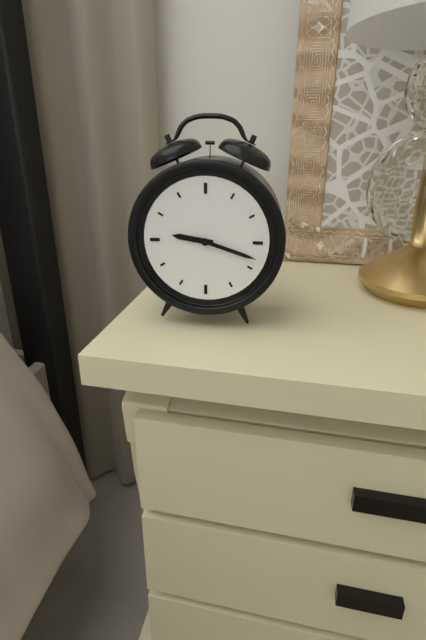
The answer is 9.18
